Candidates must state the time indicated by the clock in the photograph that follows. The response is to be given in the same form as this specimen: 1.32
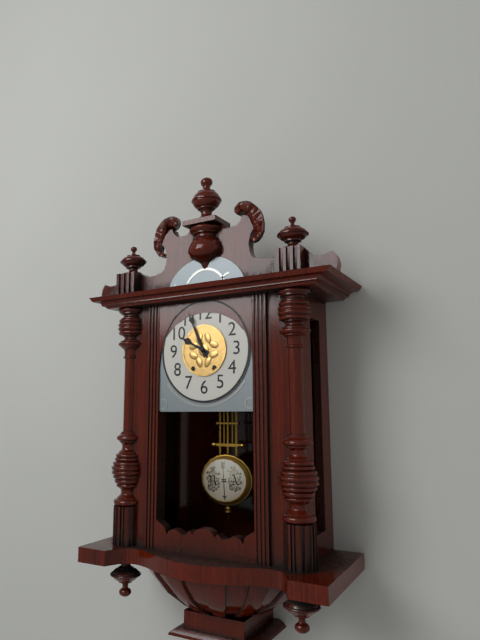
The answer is 9.56
